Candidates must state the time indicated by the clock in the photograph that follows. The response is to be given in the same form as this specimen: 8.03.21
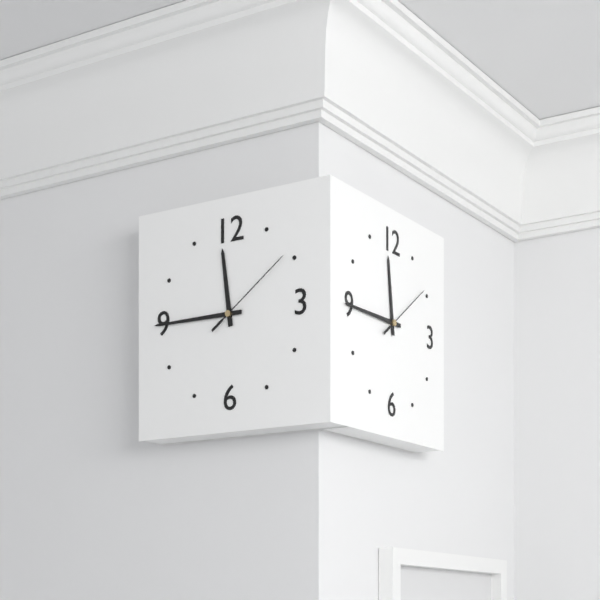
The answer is 11.45.09
